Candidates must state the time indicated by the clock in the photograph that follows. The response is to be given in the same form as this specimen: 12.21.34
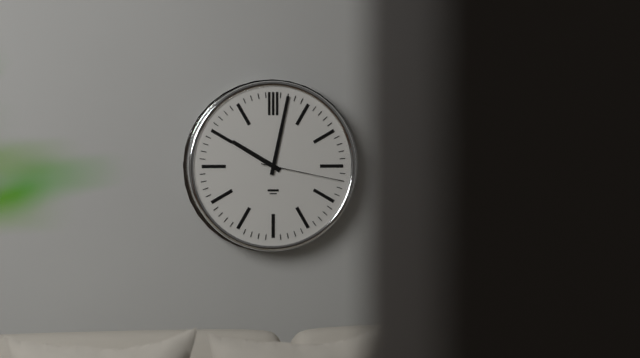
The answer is 10.02.17
